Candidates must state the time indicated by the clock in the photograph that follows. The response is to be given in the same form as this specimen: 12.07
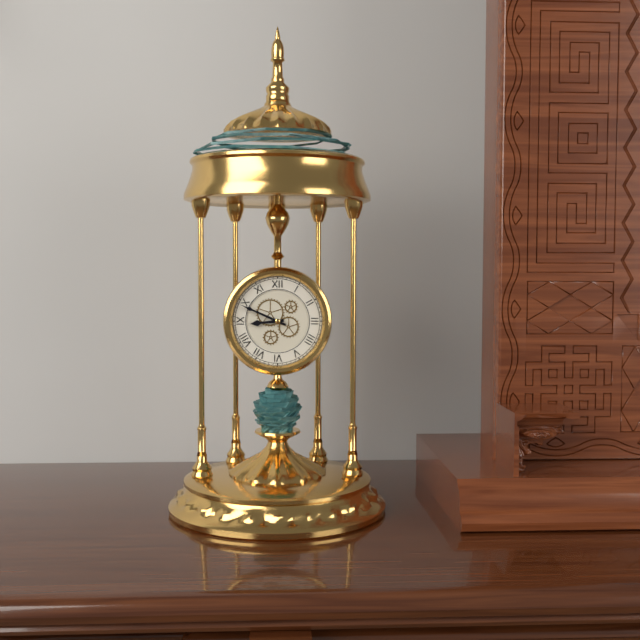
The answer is 8.49
